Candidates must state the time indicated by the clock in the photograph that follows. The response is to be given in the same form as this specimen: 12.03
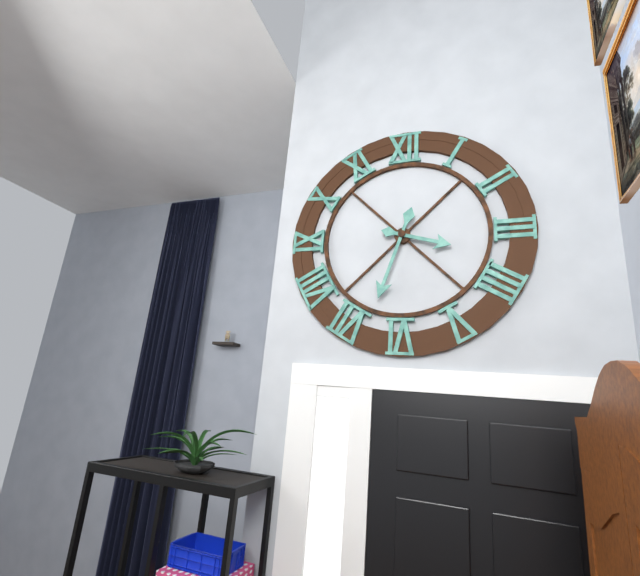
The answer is 3.33
